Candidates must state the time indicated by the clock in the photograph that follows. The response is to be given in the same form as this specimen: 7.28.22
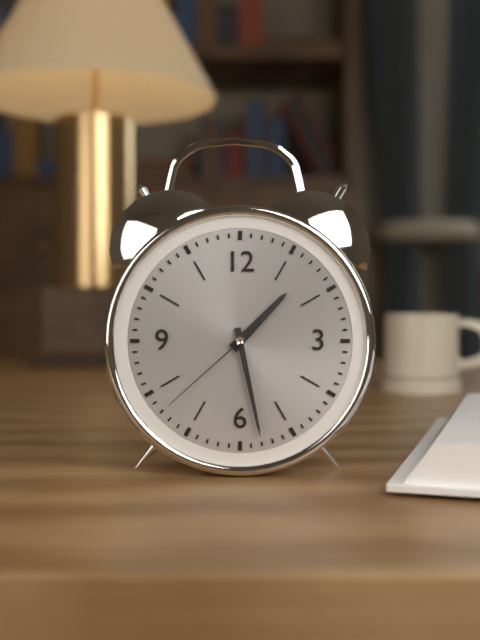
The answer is 1.28.38
